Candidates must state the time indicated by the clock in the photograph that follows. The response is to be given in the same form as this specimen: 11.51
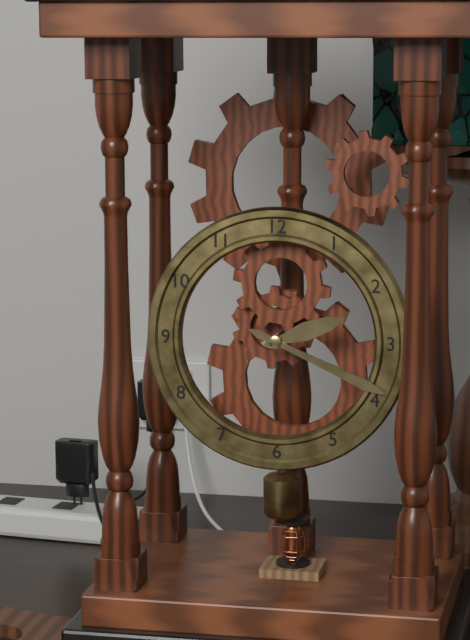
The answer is 2.19
